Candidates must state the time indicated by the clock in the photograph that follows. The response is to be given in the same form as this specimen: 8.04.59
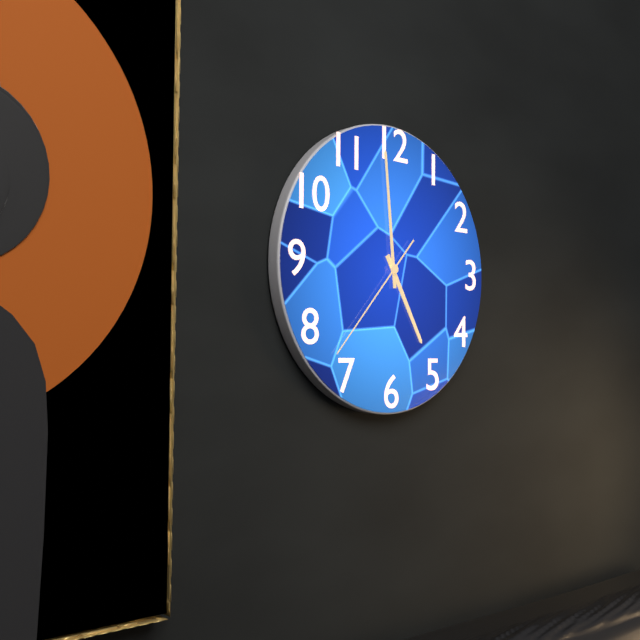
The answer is 4.59.37
